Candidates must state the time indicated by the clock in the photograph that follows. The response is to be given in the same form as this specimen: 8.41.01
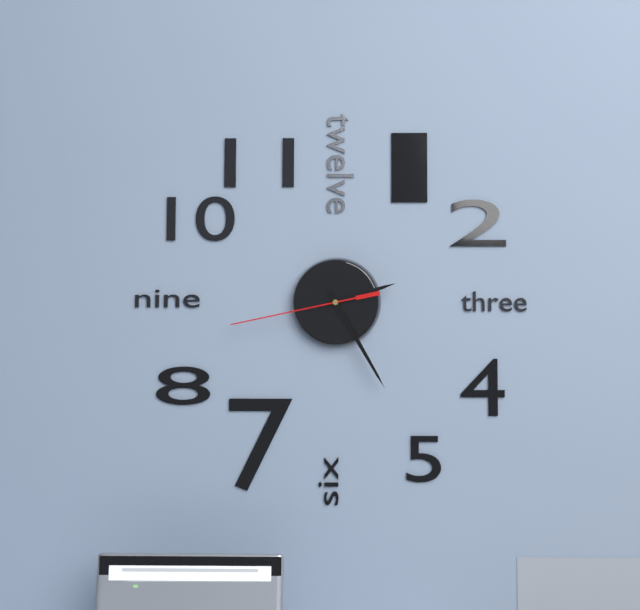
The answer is 2.25.43
